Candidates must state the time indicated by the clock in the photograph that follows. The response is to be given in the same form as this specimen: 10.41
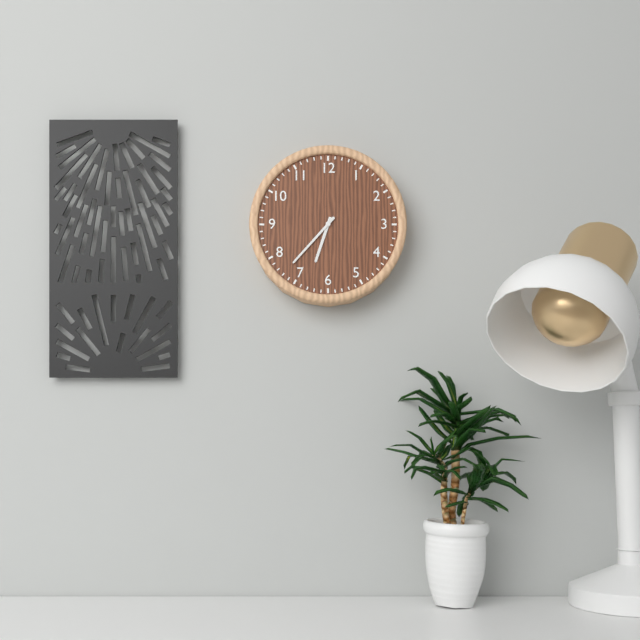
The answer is 6.37
